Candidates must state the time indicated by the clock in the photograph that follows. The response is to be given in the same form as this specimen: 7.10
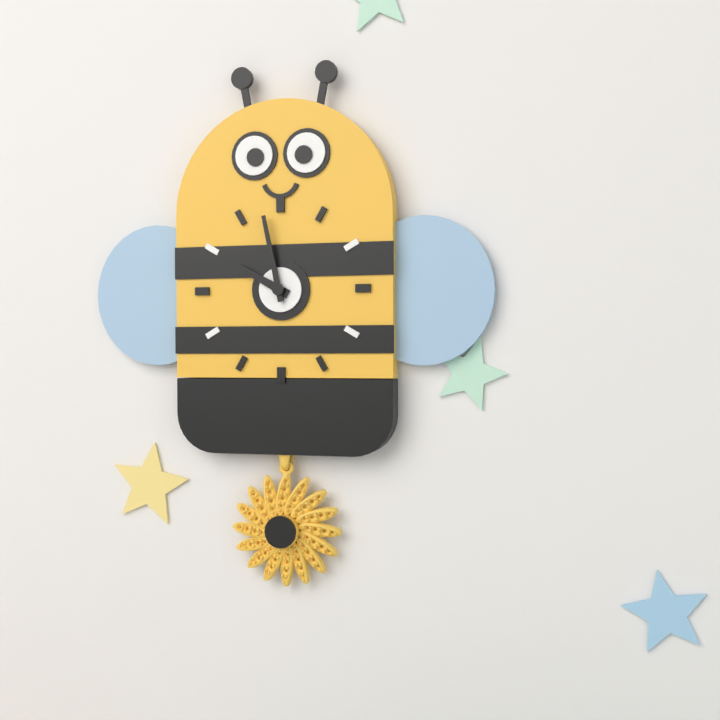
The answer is 9.58
